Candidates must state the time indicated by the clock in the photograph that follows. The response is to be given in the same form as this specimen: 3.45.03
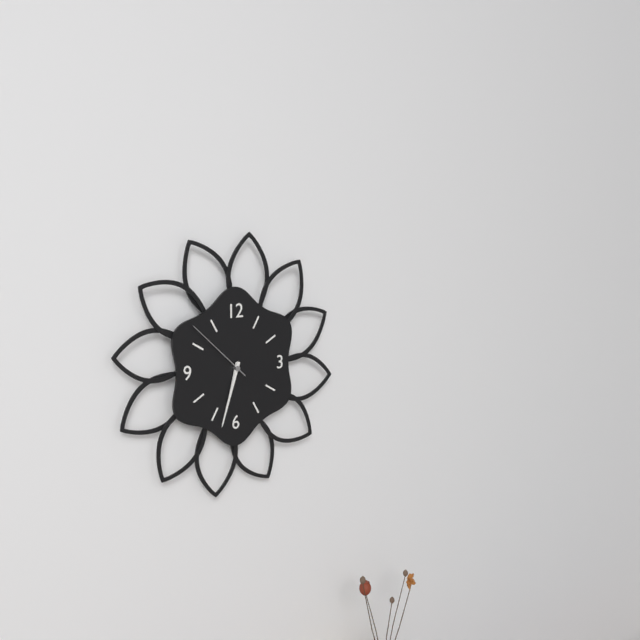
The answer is 6.33.52
